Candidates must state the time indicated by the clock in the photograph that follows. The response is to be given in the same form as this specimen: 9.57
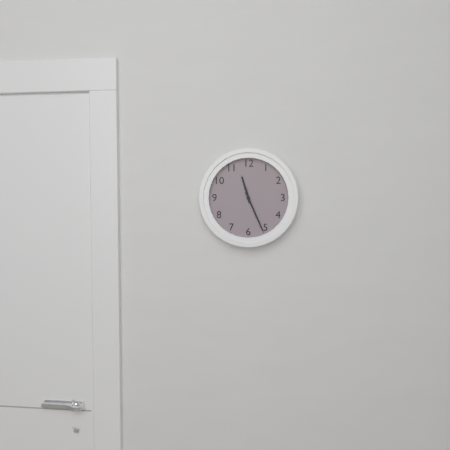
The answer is 11.26
